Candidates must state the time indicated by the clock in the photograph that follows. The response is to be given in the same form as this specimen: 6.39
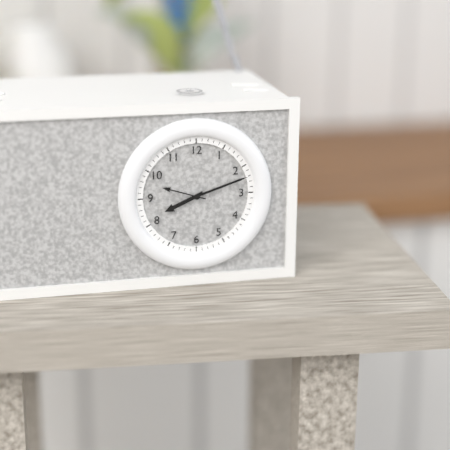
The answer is 8.12
